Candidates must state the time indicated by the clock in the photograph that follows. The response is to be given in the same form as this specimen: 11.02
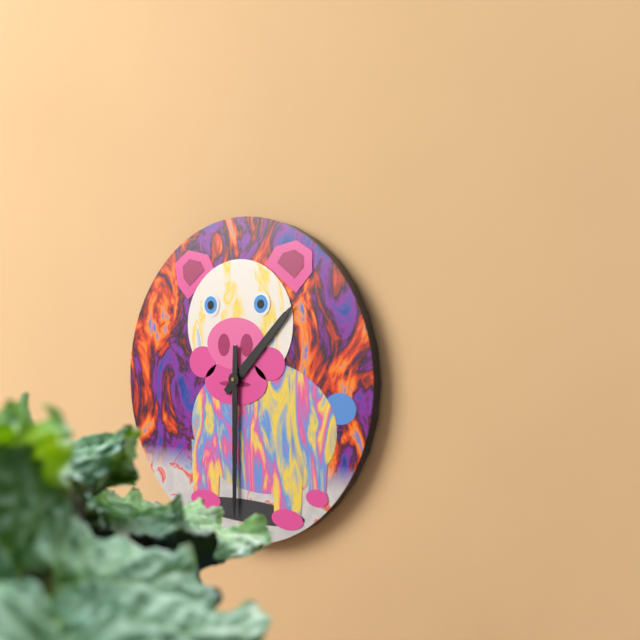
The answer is 1.30
